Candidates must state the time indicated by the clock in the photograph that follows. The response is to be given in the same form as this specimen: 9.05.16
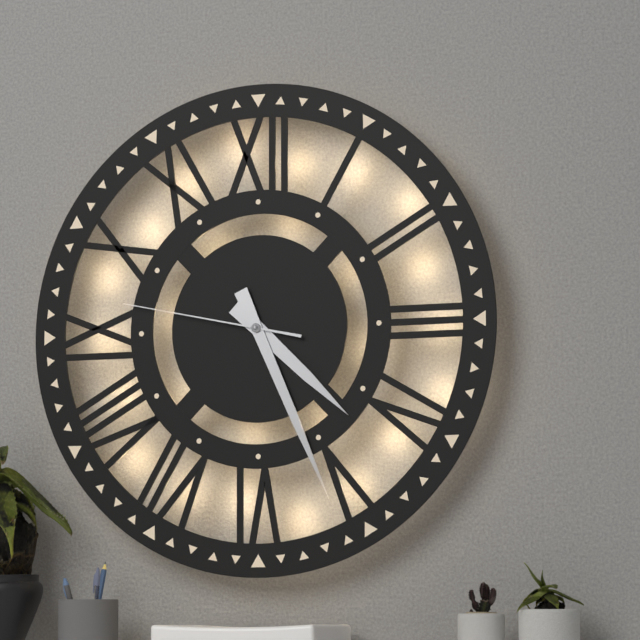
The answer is 4.26.47
